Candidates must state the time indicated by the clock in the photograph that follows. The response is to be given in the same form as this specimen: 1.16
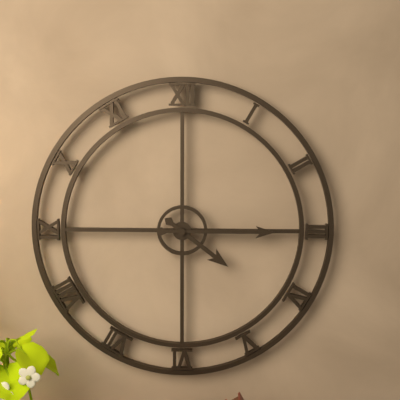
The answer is 4.15
